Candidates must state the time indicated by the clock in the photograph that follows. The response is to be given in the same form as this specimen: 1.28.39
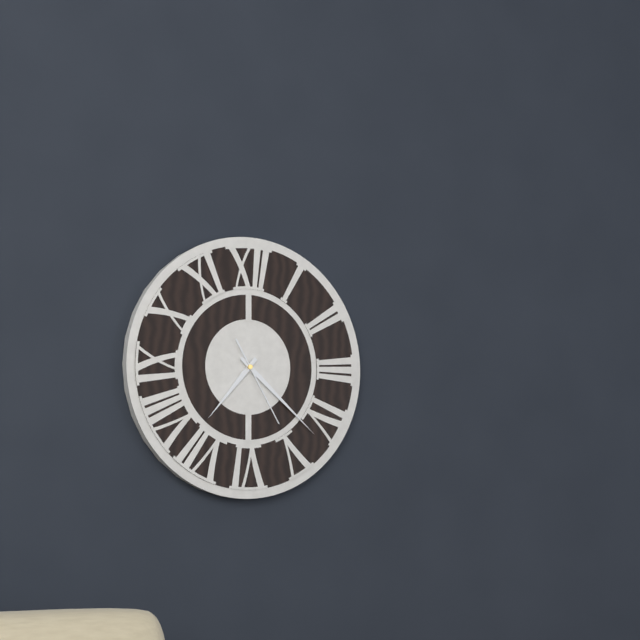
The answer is 7.22.25
